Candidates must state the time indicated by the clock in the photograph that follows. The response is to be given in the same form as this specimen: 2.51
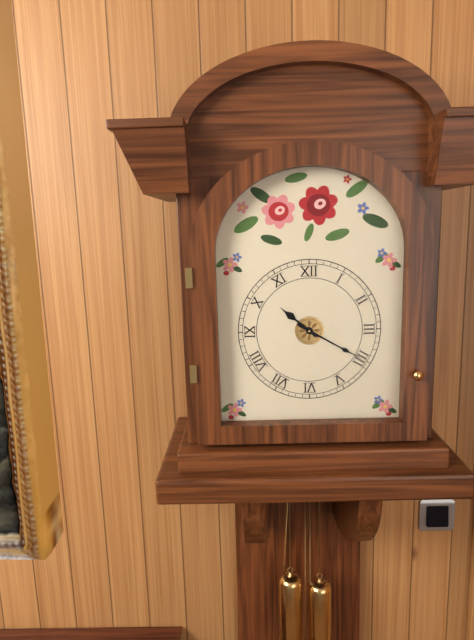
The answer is 10.20
